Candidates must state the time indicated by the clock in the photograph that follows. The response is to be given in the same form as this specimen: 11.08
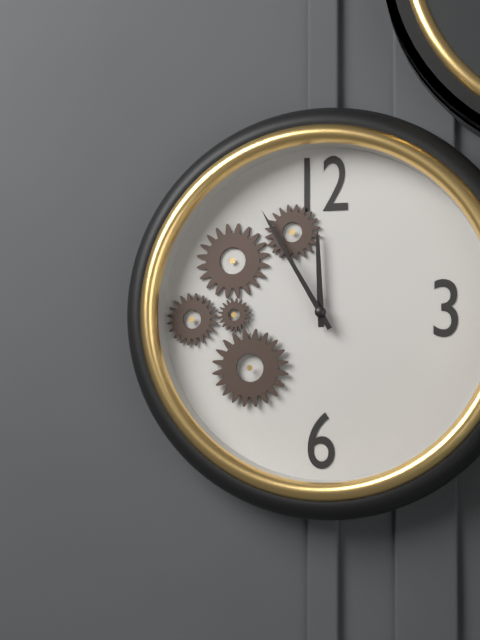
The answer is 11.55
